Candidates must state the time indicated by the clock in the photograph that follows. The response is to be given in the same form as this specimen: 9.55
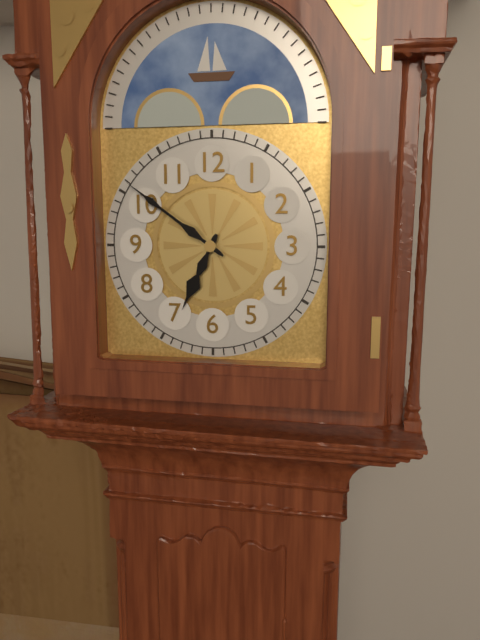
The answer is 6.51
